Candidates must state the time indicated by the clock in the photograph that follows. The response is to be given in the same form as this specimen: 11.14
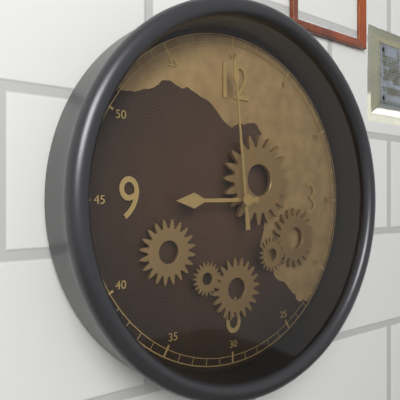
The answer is 8.59
